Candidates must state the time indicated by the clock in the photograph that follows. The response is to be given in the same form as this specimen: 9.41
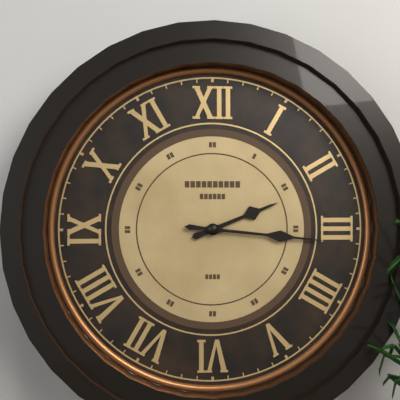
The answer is 2.16
